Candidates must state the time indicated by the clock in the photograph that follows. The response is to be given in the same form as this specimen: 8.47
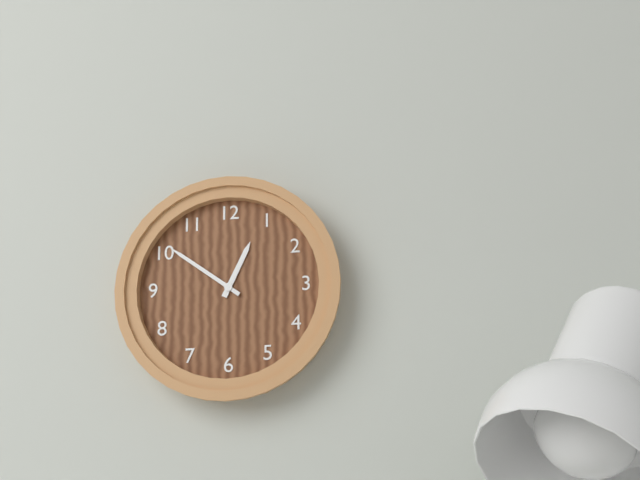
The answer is 12.51
